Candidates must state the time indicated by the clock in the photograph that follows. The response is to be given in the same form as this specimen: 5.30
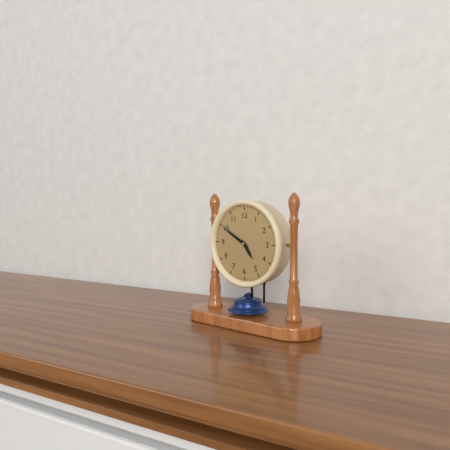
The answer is 4.50
